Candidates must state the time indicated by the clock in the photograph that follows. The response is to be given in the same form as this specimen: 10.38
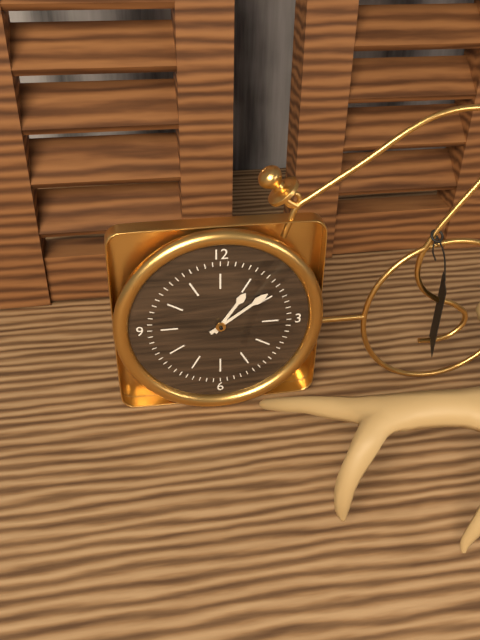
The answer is 1.09
